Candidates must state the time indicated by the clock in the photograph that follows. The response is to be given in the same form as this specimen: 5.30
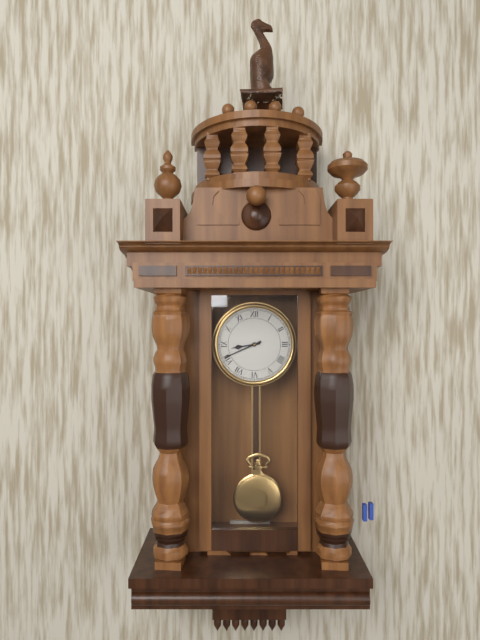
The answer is 8.41
